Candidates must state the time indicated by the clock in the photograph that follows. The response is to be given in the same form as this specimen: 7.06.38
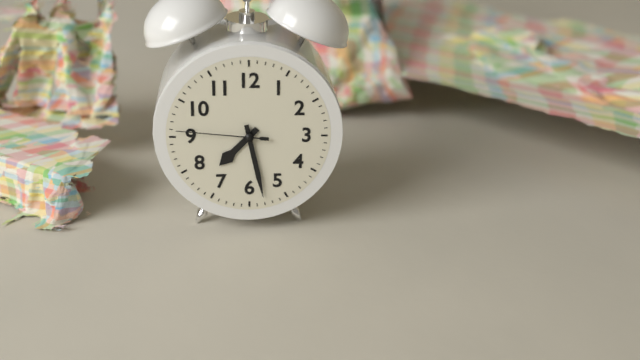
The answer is 7.28.46
